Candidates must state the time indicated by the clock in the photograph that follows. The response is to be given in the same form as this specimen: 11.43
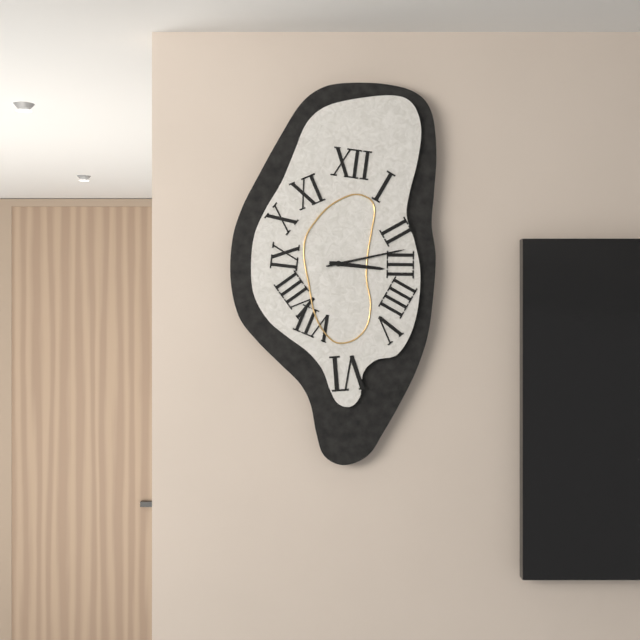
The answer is 3.13
